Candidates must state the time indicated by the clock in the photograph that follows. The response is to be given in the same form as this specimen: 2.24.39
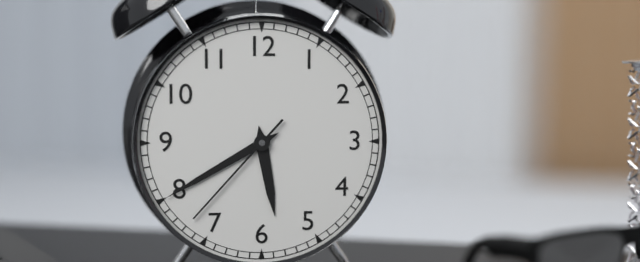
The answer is 5.40.37
